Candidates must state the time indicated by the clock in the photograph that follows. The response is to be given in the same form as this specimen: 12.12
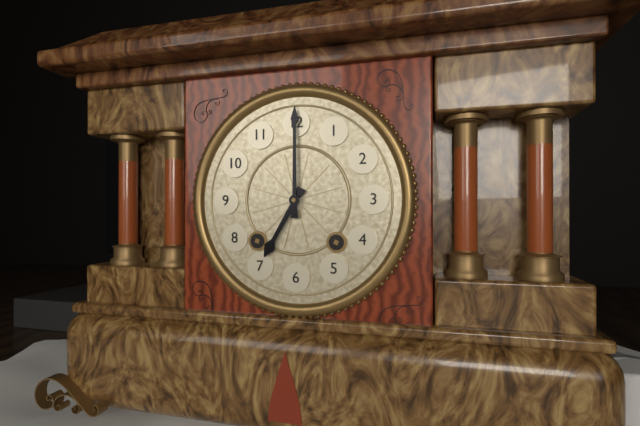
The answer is 7.00
